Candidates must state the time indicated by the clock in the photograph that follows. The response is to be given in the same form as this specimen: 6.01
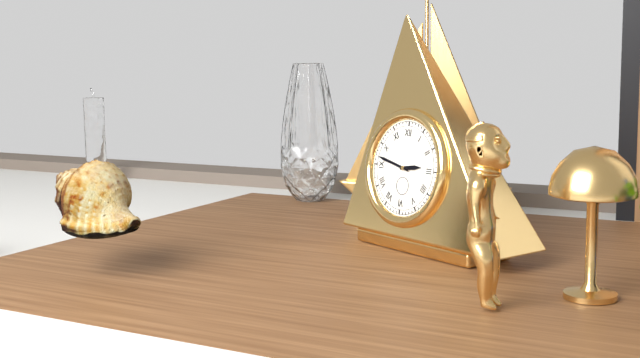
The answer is 2.47
